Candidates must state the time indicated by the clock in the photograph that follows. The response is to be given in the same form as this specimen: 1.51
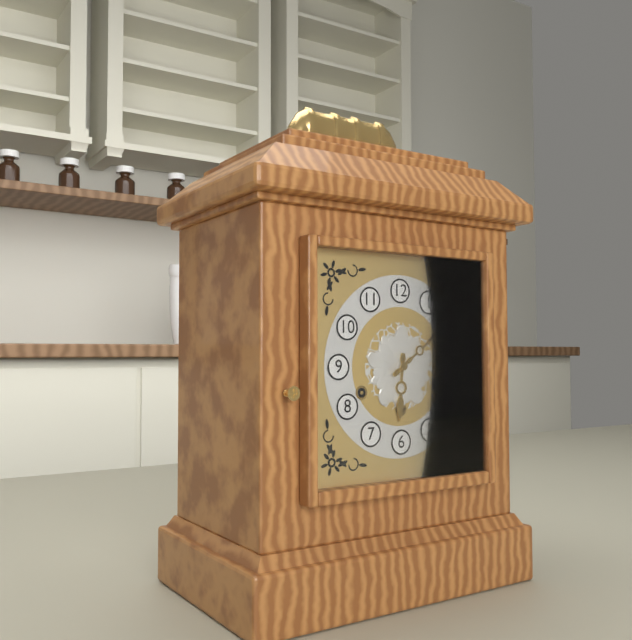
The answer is 6.09
